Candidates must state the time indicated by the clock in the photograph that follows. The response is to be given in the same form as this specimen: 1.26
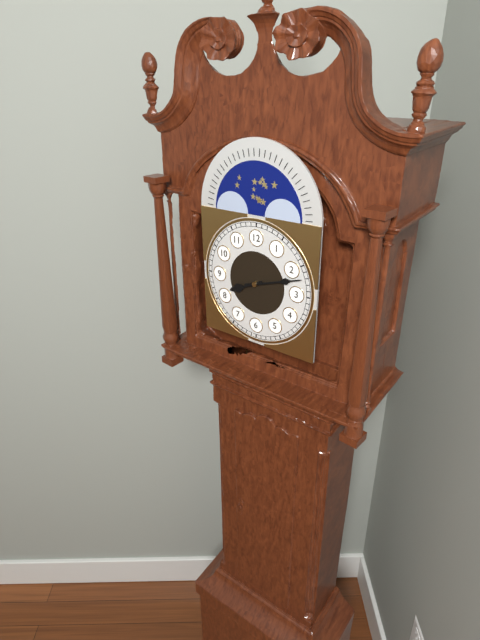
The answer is 8.12
